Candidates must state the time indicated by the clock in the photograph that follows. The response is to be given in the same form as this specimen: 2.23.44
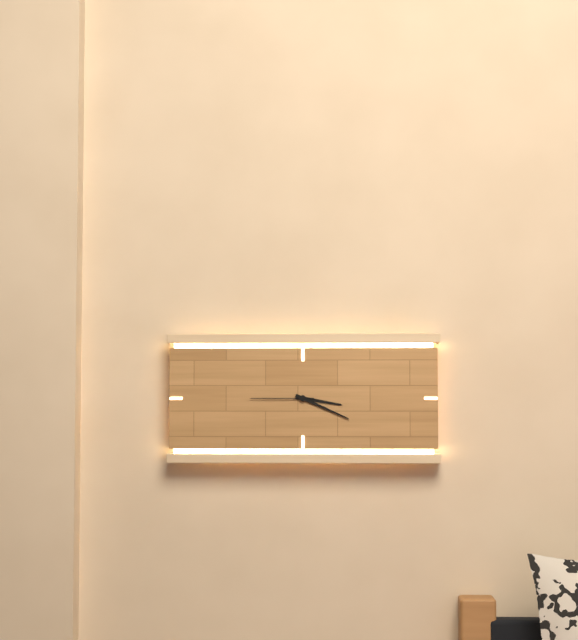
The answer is 3.19.45
